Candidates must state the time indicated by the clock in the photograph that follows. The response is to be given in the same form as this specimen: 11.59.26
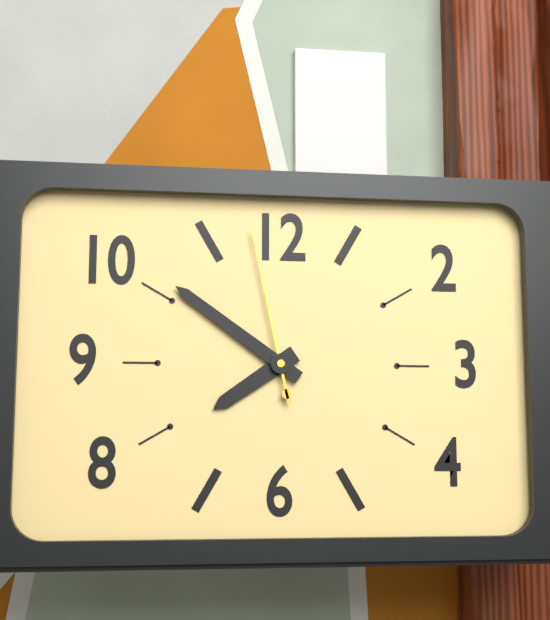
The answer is 7.51.58
